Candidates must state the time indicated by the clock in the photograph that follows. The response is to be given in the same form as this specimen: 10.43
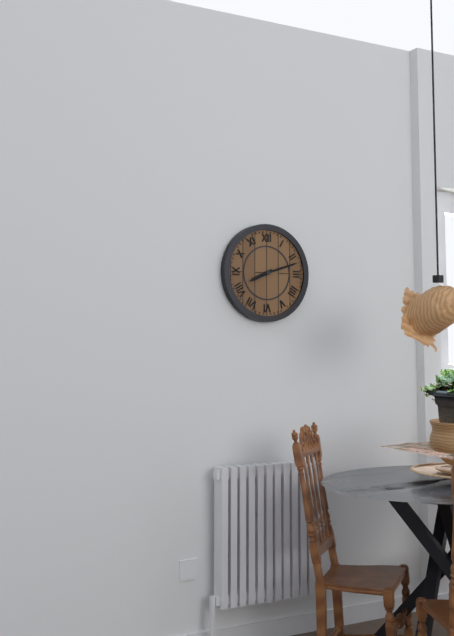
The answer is 8.12
